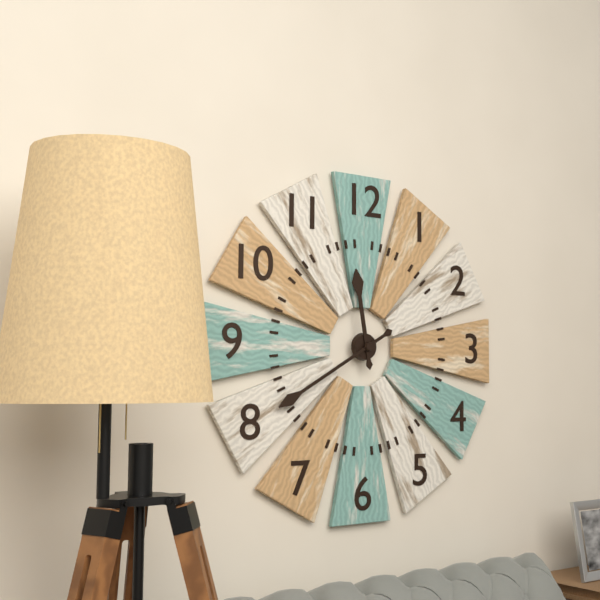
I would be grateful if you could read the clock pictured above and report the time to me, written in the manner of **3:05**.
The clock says **11:40**
